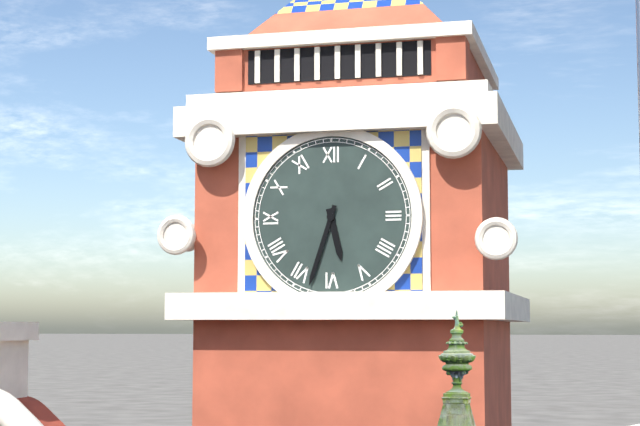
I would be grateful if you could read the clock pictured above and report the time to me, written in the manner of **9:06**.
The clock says **5:33**
